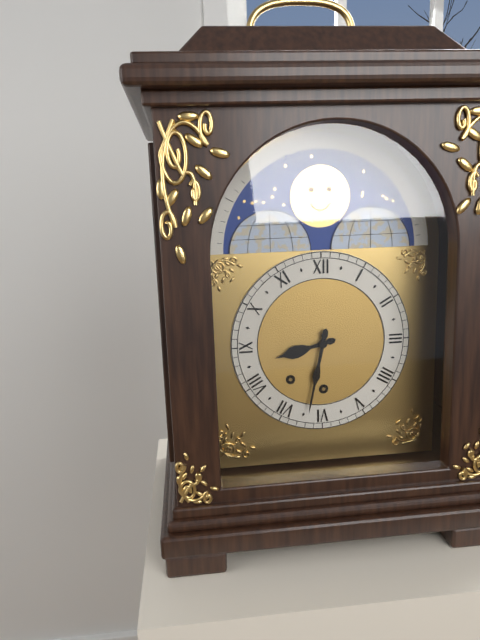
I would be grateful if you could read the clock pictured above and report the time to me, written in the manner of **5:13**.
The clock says **8:32**
